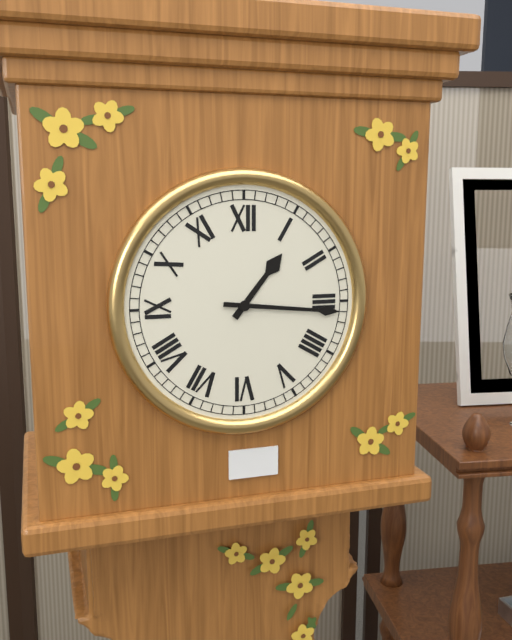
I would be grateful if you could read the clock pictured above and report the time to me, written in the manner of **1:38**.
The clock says **1:16**
